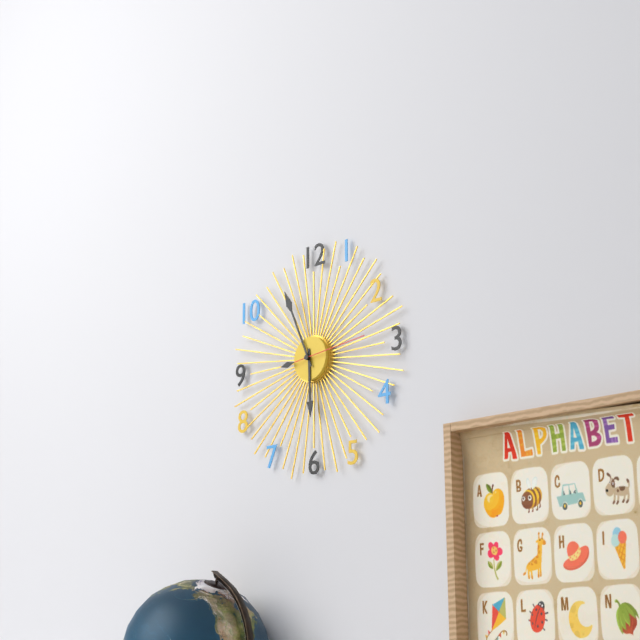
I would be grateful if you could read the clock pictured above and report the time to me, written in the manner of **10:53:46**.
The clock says **5:56:14**
